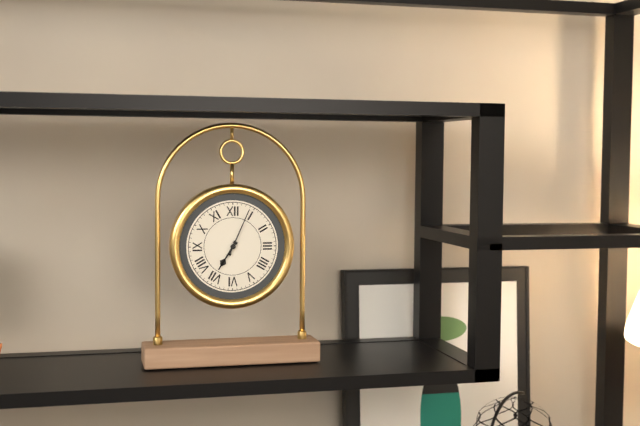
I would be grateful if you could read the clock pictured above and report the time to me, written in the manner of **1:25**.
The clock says **7:04**
